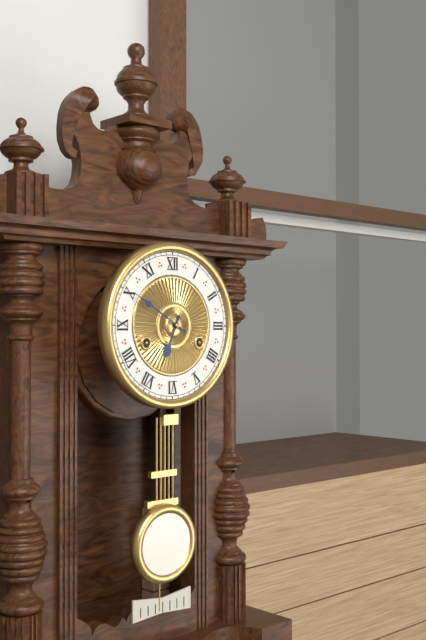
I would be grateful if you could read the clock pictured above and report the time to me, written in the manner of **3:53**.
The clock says **6:50**
